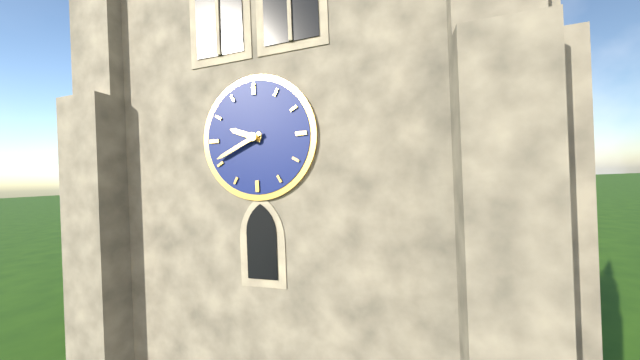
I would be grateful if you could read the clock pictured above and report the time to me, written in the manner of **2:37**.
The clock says **9:41**
